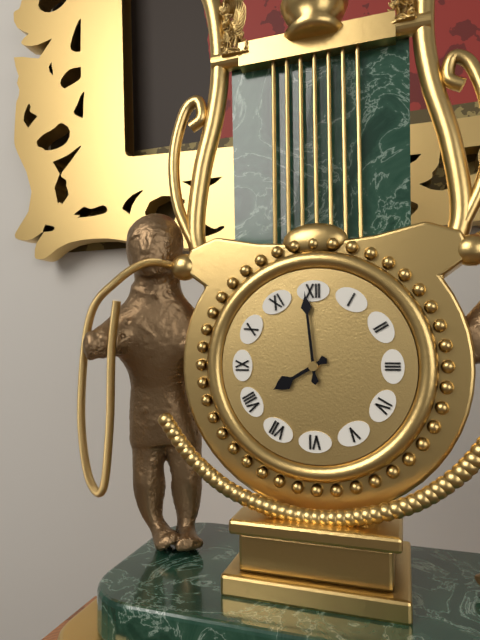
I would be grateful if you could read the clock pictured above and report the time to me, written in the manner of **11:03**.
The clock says **7:59**
